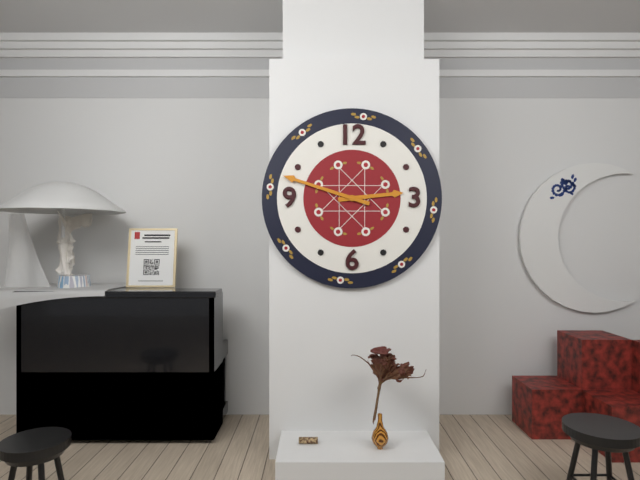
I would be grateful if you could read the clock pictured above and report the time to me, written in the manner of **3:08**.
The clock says **2:48**
